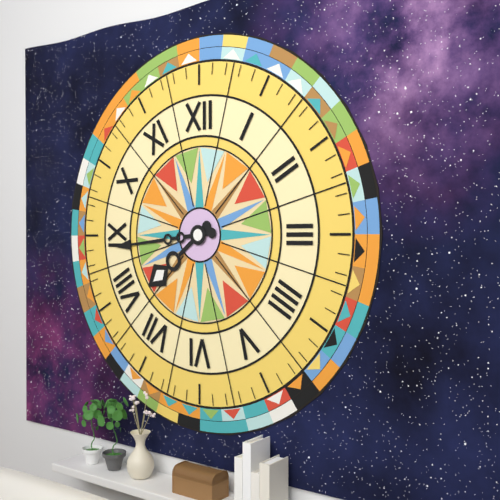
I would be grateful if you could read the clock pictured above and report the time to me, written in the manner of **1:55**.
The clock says **7:44**
